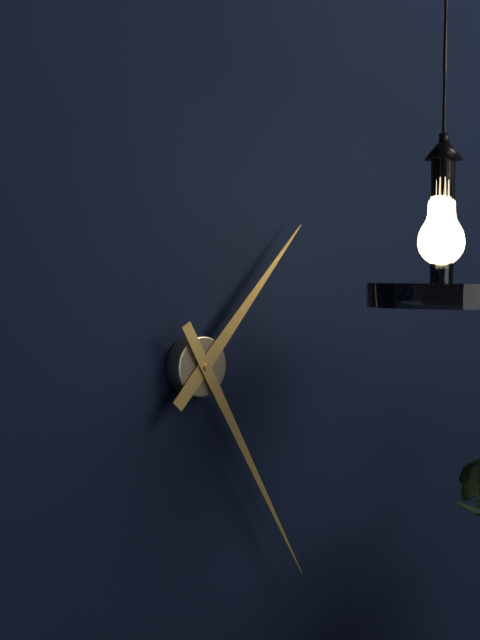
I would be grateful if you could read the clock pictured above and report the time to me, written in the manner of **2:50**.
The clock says **1:25**
